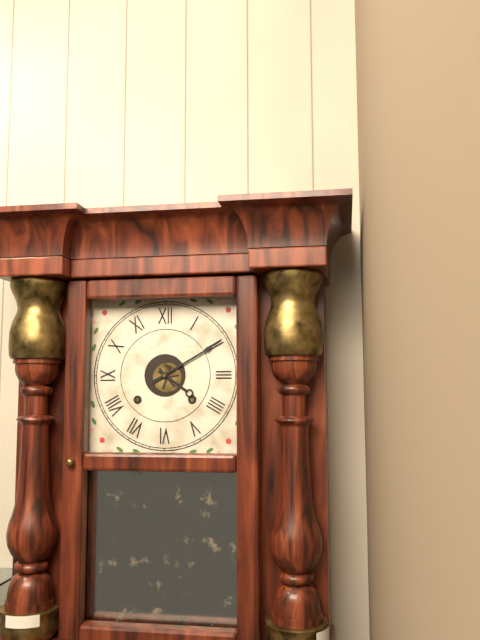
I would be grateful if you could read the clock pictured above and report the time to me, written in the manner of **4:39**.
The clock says **4:10**
